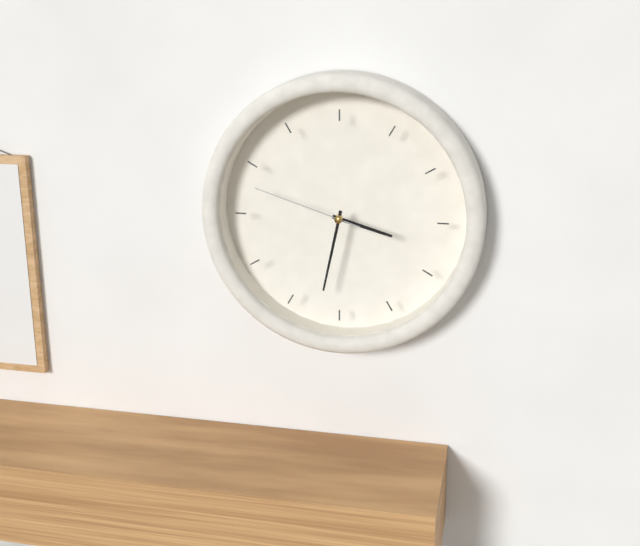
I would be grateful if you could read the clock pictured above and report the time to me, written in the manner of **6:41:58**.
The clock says **3:32:48**
